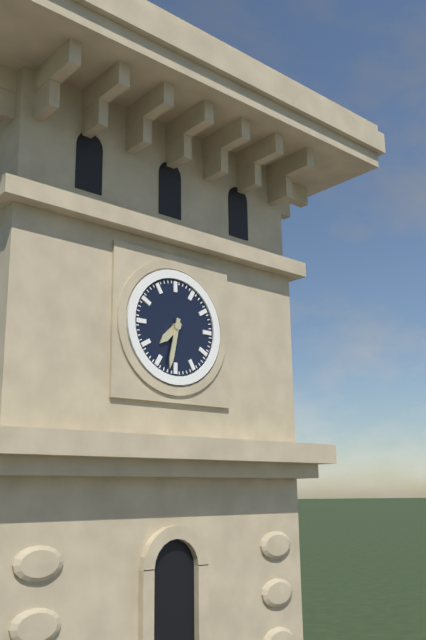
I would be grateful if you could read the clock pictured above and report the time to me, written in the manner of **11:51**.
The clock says **7:32**
